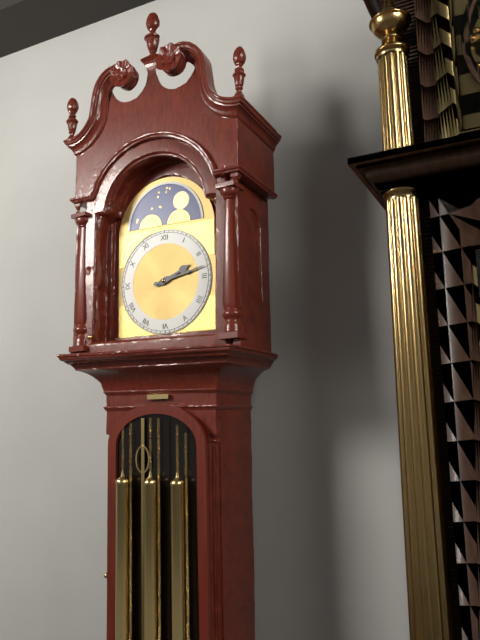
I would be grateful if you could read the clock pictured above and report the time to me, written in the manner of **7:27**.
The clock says **2:13**
